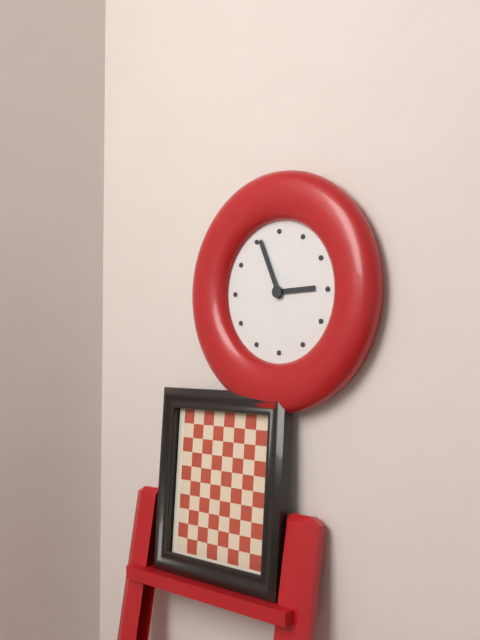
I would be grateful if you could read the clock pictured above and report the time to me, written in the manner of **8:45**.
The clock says **2:56**
